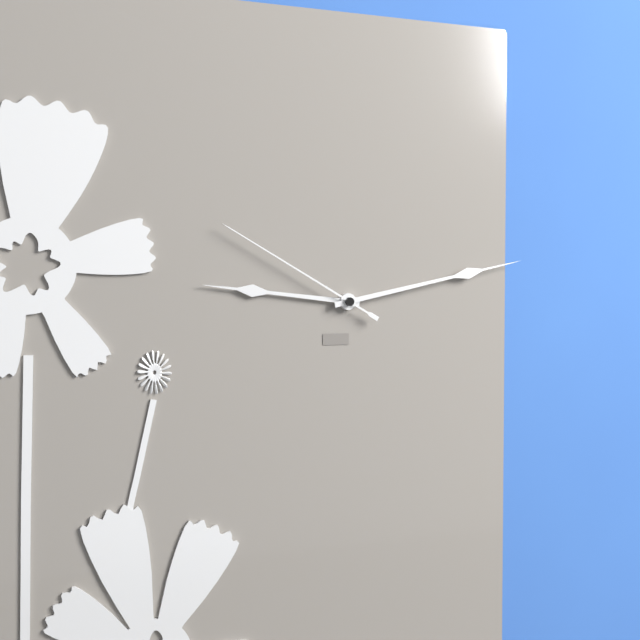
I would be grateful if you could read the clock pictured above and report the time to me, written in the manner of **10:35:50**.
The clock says **9:13:50**
